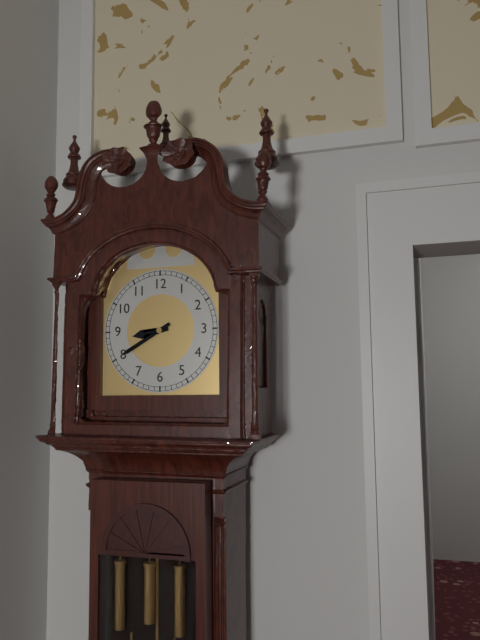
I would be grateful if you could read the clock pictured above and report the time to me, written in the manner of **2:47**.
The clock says **8:40**
